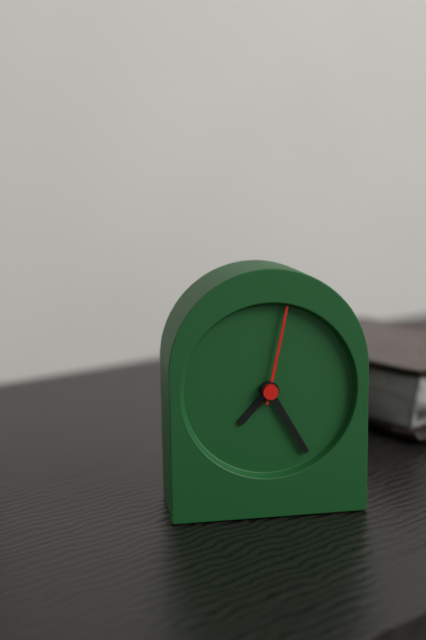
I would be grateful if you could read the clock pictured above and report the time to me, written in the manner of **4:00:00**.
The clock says **7:25:02**
